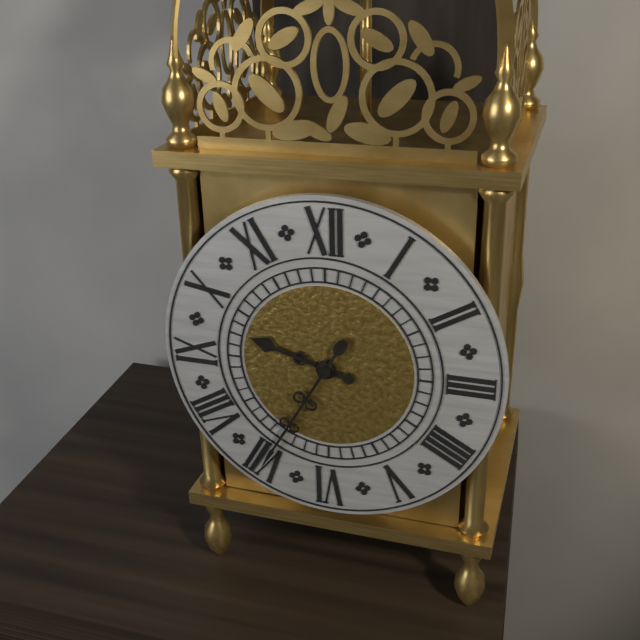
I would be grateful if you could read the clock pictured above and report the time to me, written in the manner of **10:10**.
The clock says **9:35**
